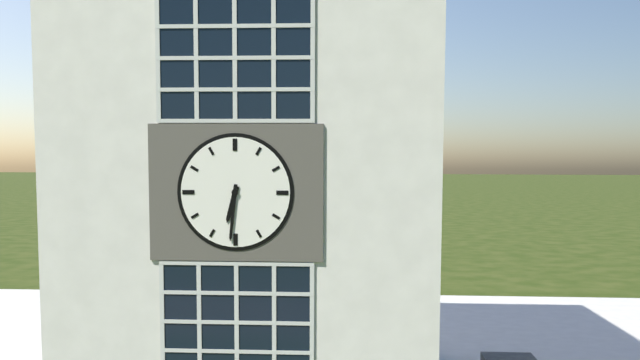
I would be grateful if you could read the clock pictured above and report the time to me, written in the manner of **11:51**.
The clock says **6:31**
